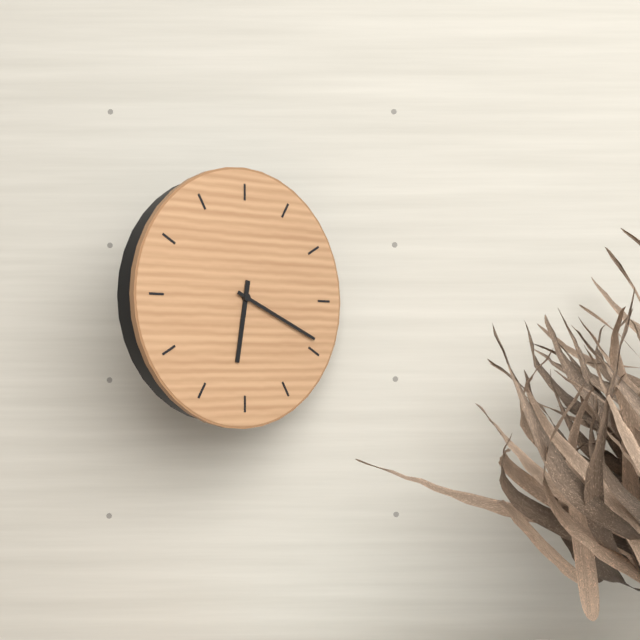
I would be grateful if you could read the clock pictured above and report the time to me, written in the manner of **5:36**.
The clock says **6:19**
